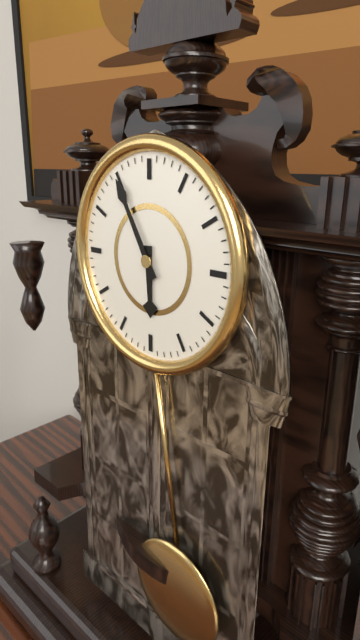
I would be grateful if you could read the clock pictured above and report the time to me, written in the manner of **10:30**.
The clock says **5:55**
